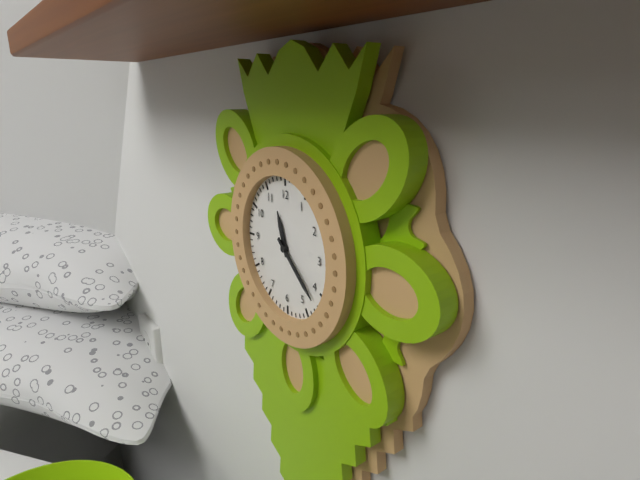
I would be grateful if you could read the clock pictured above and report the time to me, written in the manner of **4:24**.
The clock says **11:22**
